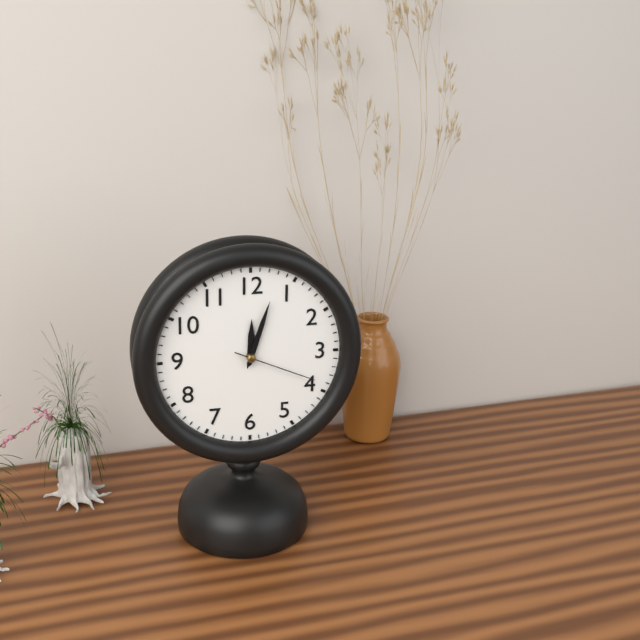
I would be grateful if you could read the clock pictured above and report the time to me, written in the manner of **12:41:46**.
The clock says **12:03:19**
